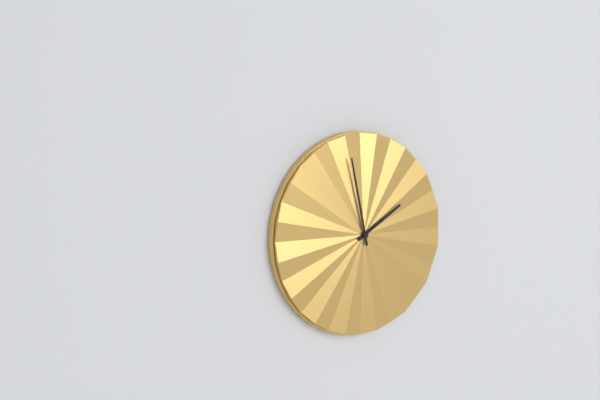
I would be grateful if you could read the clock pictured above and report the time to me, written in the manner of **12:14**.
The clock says **1:58**
